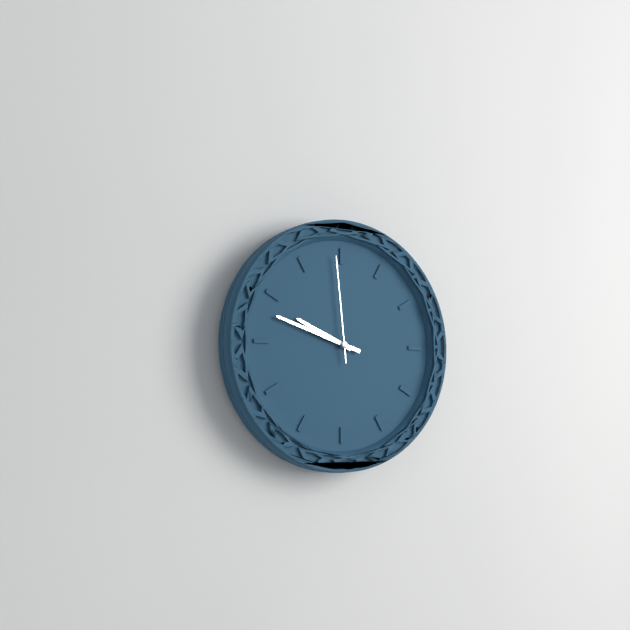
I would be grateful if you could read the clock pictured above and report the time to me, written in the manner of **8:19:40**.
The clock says **9:48:59**
